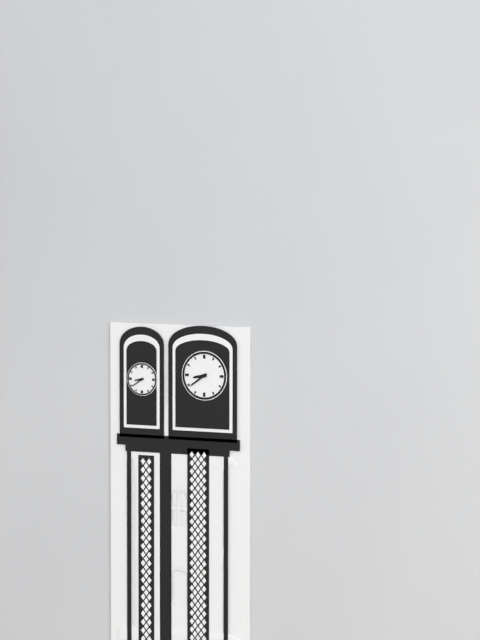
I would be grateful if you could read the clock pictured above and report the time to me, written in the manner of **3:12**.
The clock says **8:39**
